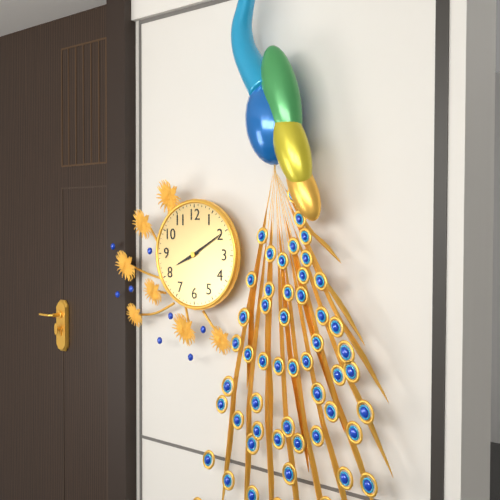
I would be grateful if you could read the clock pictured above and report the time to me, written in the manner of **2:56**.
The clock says **8:10**
